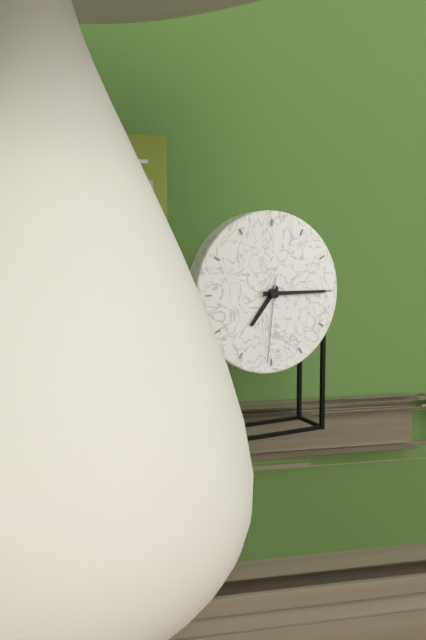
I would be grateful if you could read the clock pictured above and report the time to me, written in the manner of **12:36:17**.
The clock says **7:15:31**
